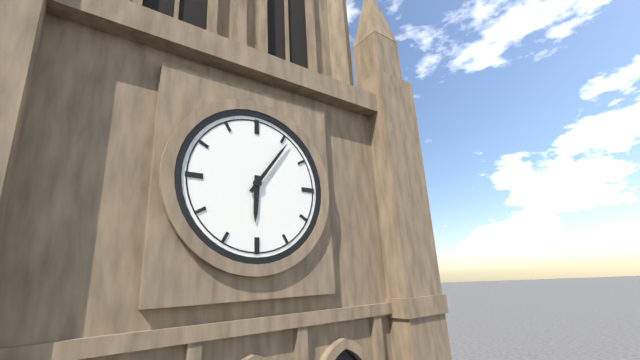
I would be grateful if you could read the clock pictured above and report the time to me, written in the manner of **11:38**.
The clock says **6:06**
